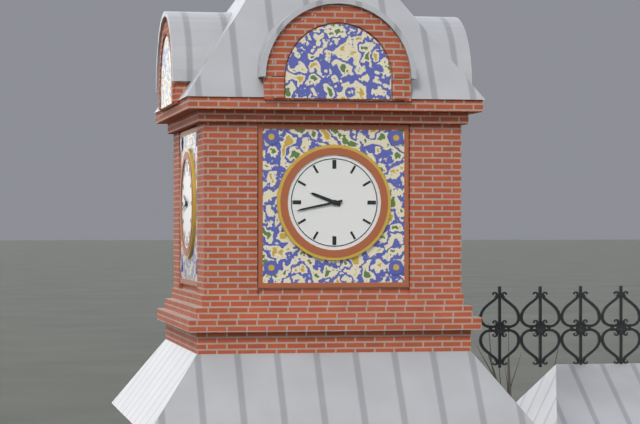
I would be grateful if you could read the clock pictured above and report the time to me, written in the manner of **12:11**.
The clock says **9:43**
